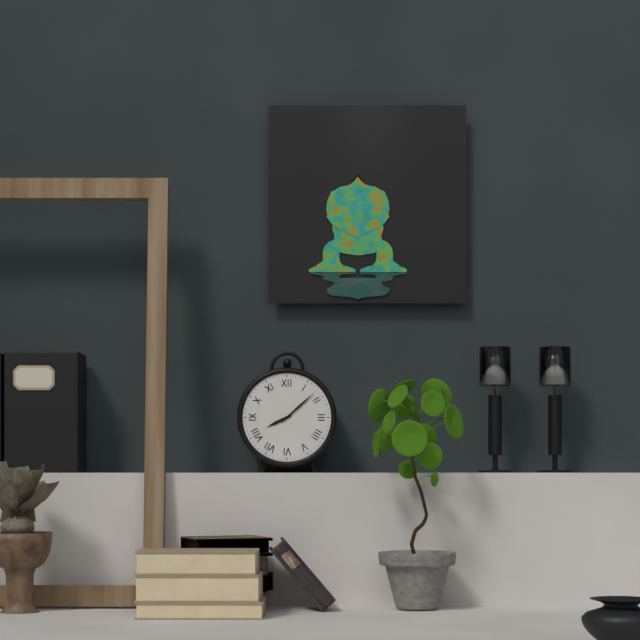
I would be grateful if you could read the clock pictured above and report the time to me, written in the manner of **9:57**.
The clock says **8:08**
